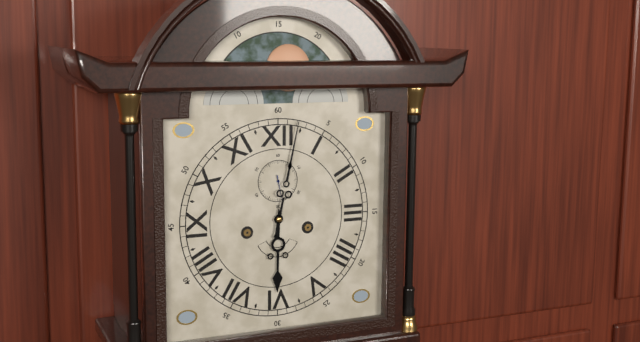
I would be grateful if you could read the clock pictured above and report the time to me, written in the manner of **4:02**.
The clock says **6:02**
